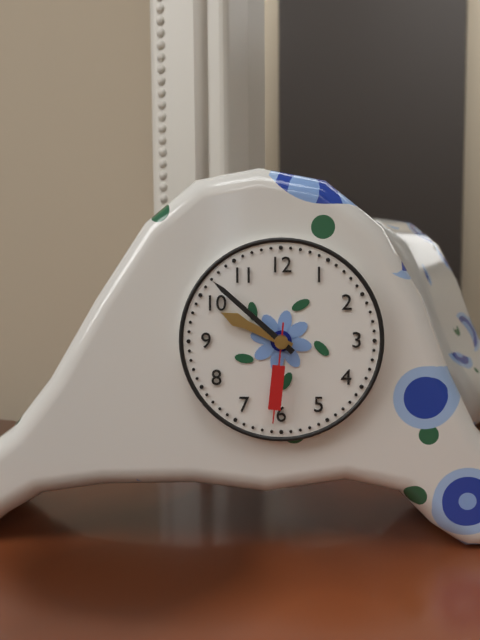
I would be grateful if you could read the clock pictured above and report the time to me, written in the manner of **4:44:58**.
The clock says **9:52:31**
